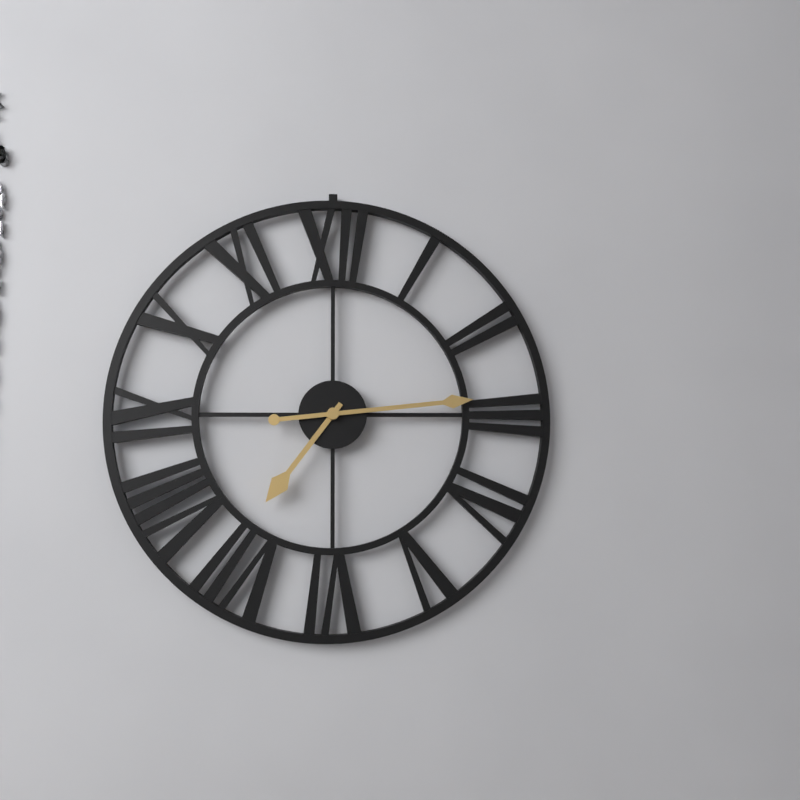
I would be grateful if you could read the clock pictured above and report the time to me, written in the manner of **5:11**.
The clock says **7:14**
